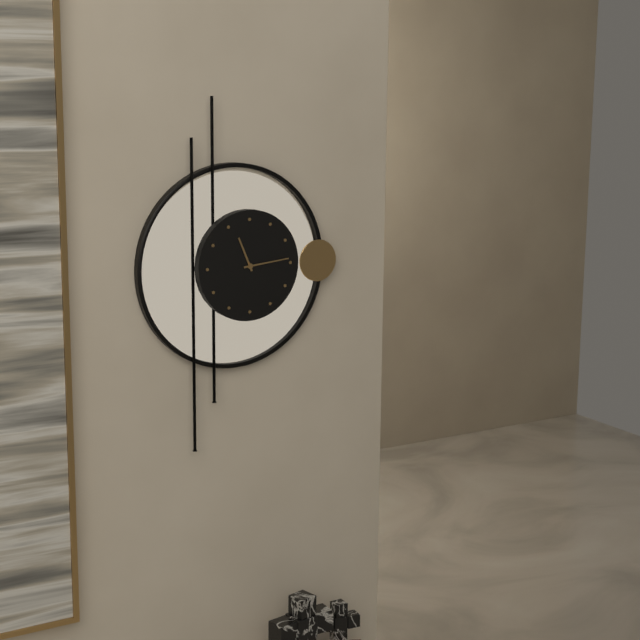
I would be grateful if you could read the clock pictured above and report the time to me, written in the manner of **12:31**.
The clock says **11:14**
